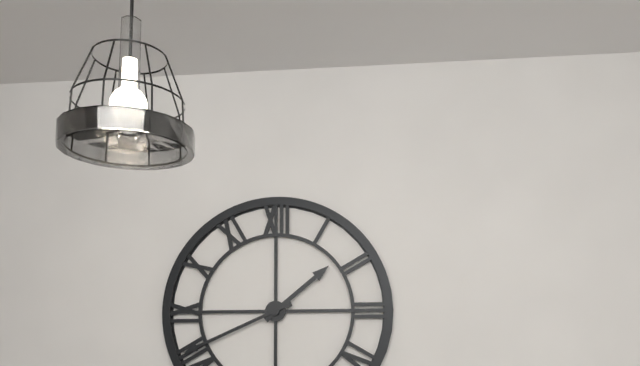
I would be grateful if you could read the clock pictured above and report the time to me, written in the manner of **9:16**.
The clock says **1:41**
